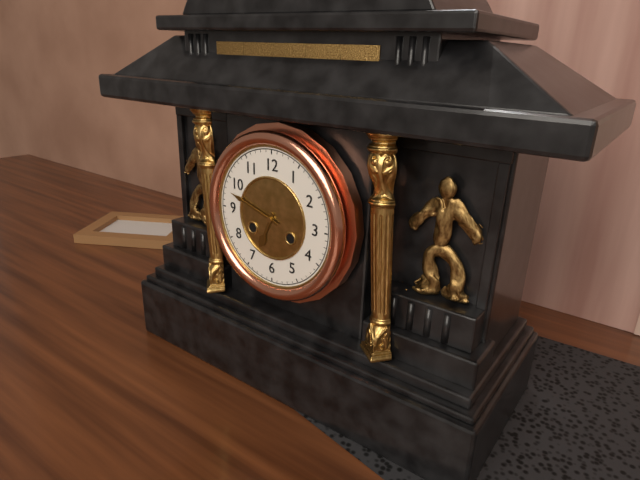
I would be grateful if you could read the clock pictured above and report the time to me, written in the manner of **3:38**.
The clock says **6:48**
